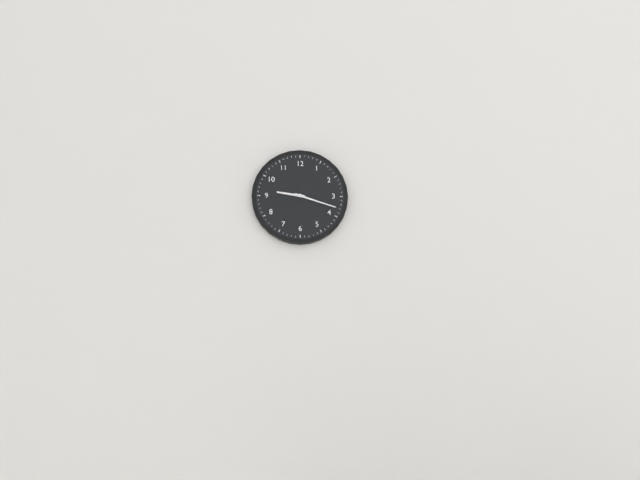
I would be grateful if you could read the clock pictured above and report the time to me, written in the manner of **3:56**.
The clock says **9:18**
